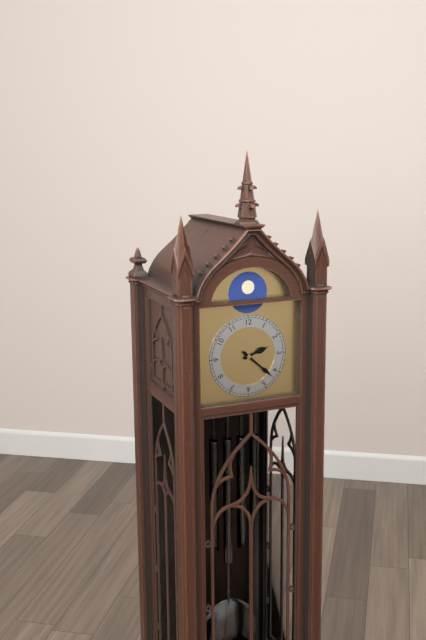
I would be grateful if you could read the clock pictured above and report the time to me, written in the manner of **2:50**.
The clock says **2:22**
